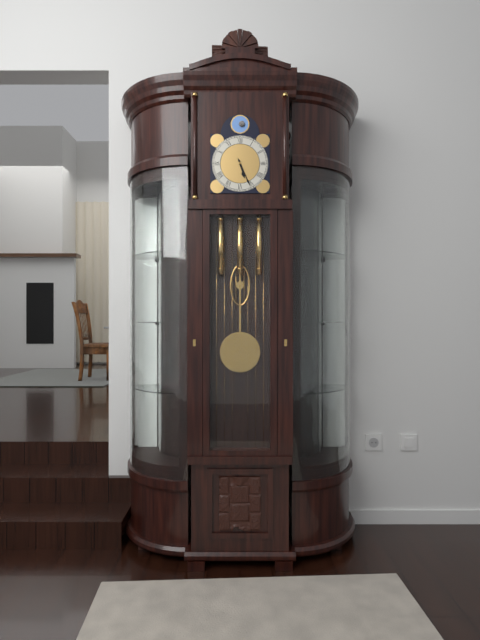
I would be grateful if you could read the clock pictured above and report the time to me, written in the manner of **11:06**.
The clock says **5:26**
